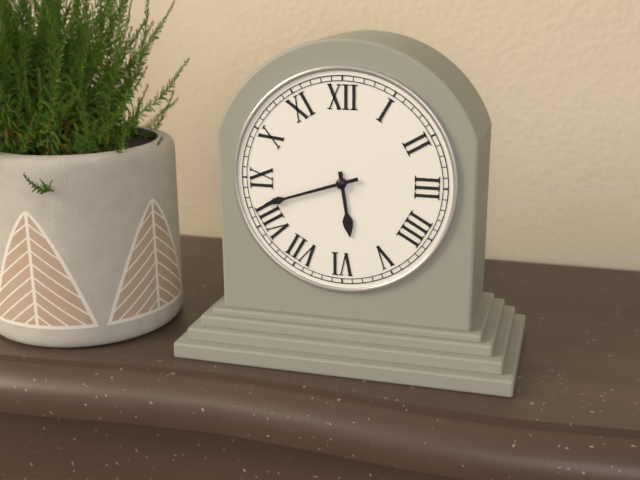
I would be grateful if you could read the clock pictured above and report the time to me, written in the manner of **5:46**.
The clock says **5:42**
